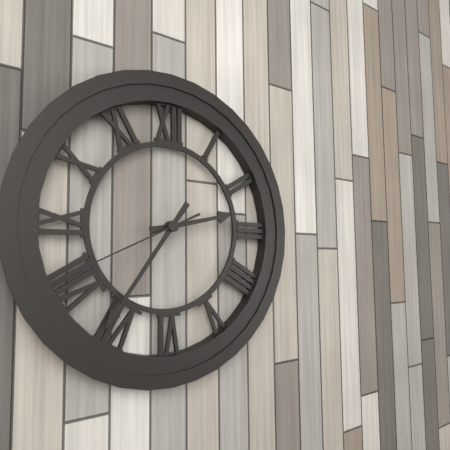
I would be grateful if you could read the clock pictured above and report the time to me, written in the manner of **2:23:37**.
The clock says **2:36:41**
